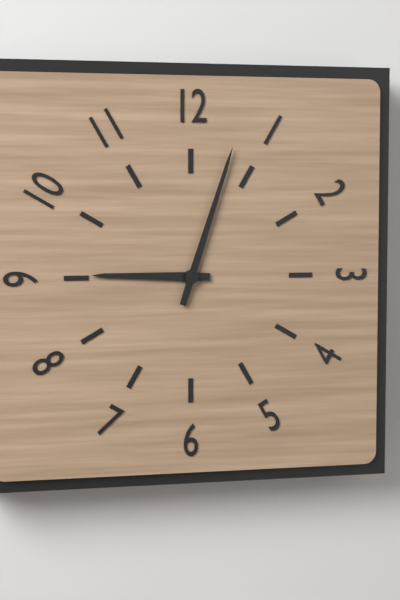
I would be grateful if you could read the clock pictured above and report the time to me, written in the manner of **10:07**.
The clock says **9:03**
